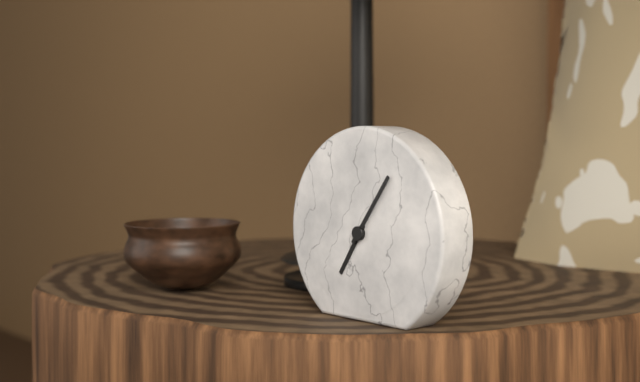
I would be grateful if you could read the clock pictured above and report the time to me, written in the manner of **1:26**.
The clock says **7:06**
